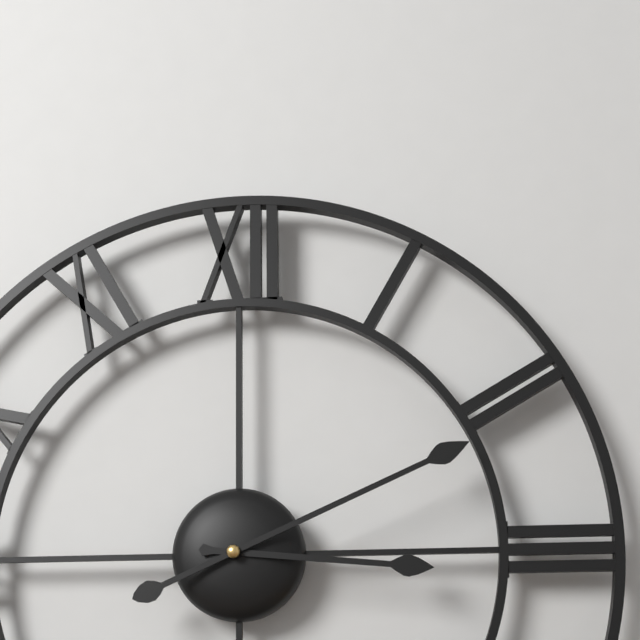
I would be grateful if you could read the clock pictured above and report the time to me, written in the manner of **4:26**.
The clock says **3:11**
